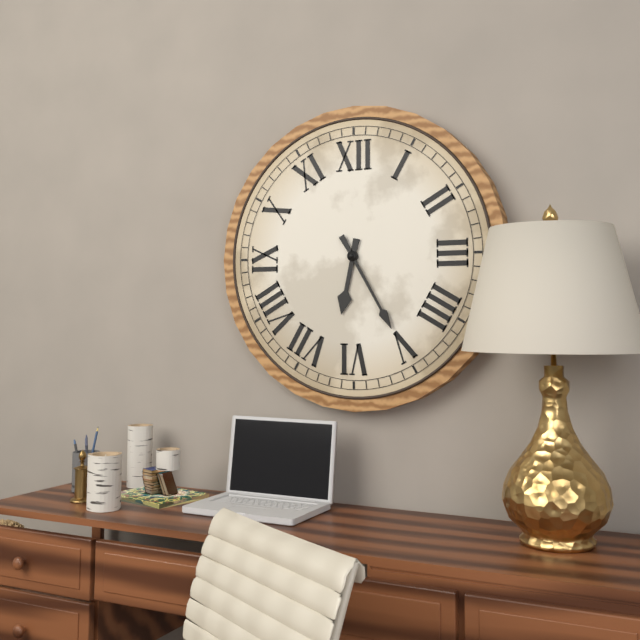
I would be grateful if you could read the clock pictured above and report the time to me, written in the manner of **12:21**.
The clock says **6:25**
